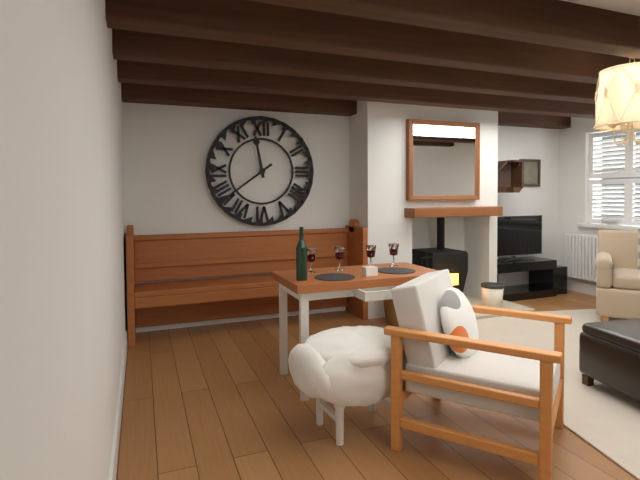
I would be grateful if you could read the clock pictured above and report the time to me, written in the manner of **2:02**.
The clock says **11:39**
